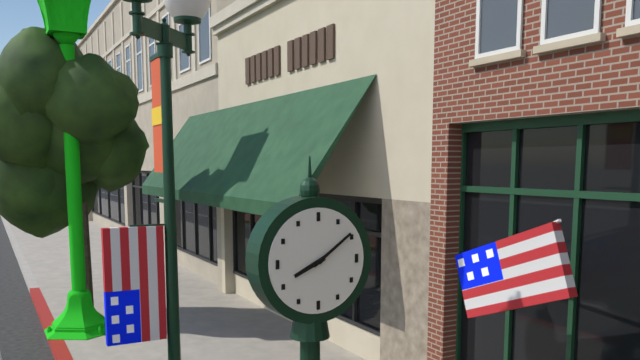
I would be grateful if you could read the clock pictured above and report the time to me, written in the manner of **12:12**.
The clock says **8:09**
